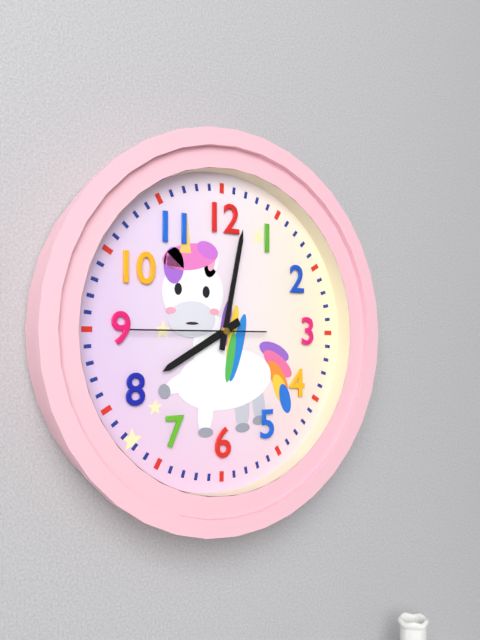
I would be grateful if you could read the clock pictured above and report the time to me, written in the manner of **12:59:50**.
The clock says **8:02:45**
